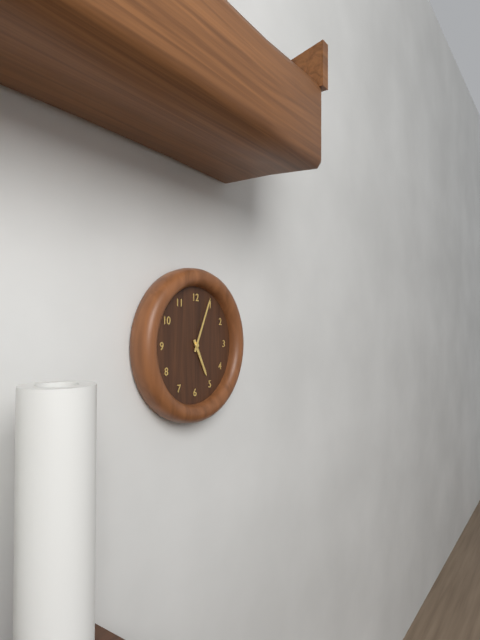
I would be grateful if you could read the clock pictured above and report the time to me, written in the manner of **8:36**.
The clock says **5:04**
